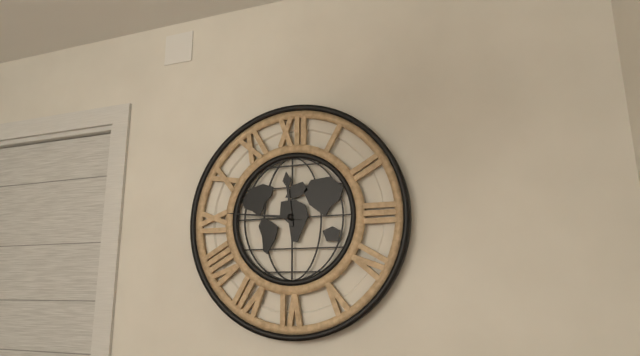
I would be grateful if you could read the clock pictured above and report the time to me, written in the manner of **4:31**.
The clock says **11:46**
